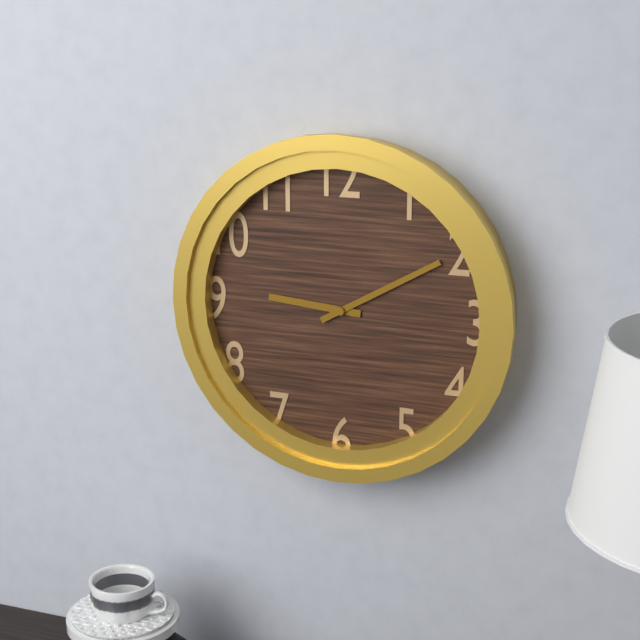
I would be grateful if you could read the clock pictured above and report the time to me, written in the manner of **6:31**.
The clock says **9:10**
